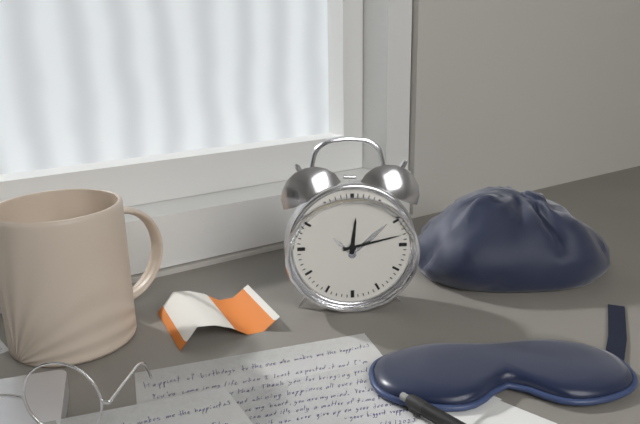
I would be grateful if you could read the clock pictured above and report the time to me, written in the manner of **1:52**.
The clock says **12:13**
